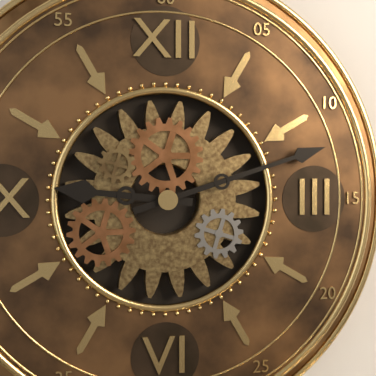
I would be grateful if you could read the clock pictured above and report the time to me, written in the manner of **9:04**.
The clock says **9:12**
